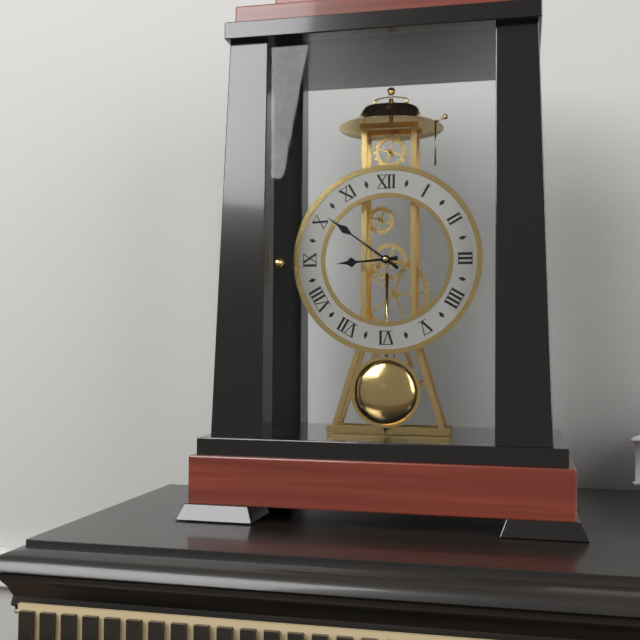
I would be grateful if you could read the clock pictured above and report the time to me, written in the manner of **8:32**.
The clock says **8:51**
